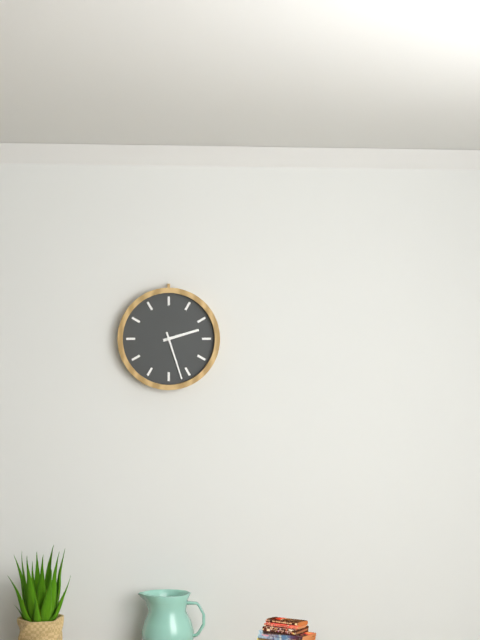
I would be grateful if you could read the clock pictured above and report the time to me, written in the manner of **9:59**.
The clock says **2:27**
